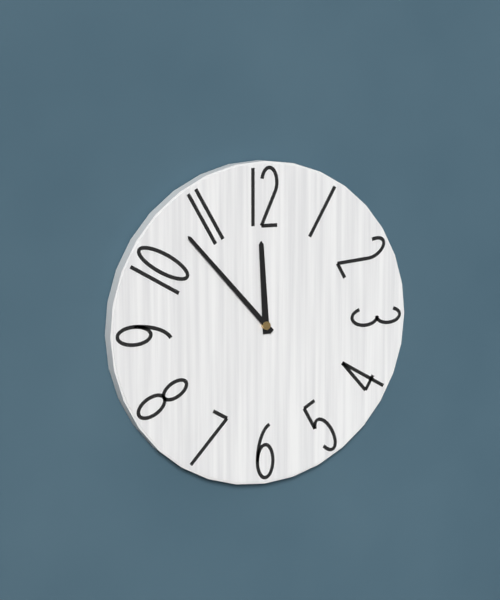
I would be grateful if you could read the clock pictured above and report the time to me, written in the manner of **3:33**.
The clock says **11:53**
